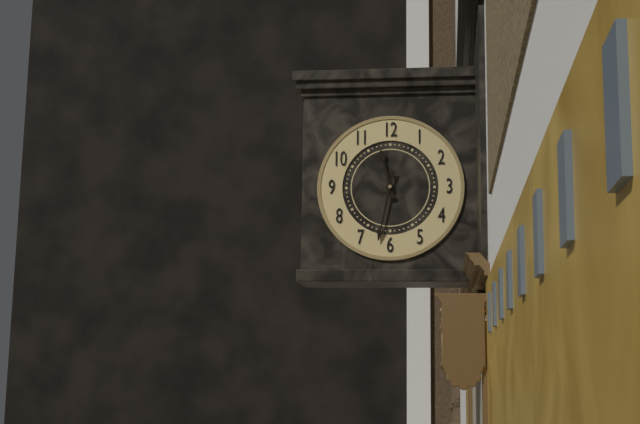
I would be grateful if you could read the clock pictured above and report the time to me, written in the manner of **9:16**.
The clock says **11:32**
